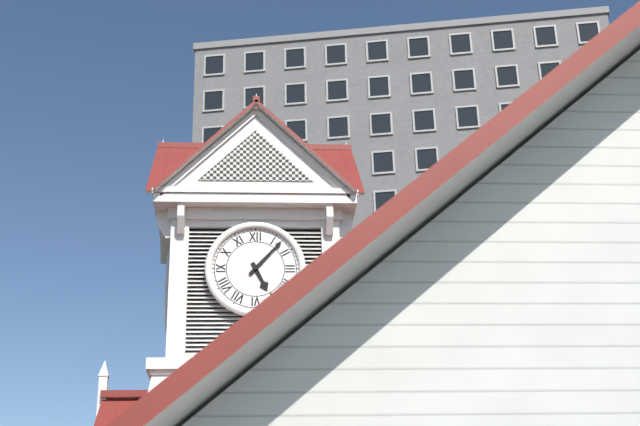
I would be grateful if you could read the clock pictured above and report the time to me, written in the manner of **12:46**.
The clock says **5:07**
